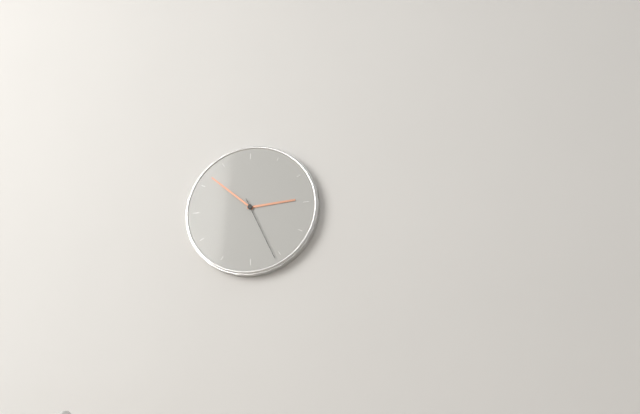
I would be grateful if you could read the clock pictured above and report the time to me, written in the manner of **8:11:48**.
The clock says **2:52:26**
